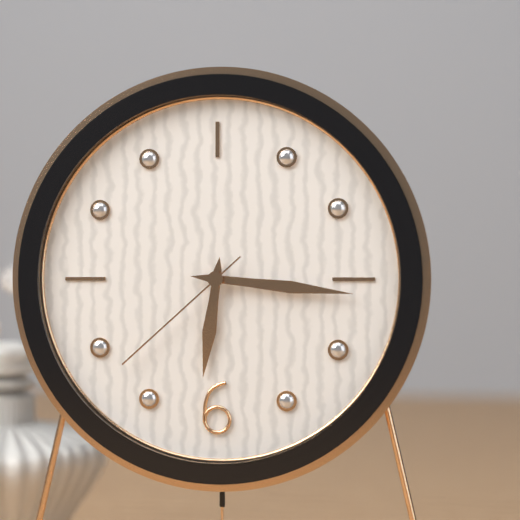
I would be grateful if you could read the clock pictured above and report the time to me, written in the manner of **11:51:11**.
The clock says **6:16:38**
